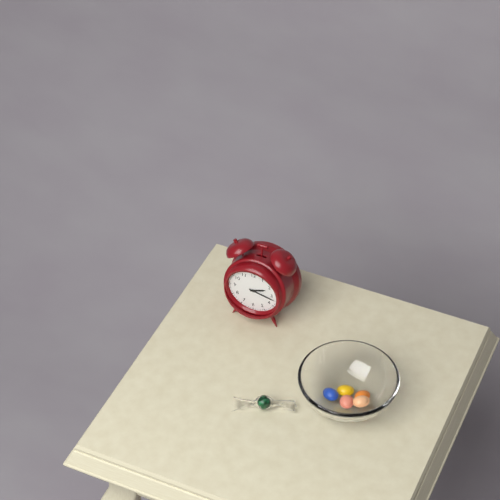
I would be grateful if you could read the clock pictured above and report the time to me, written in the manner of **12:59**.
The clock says **2:17**
